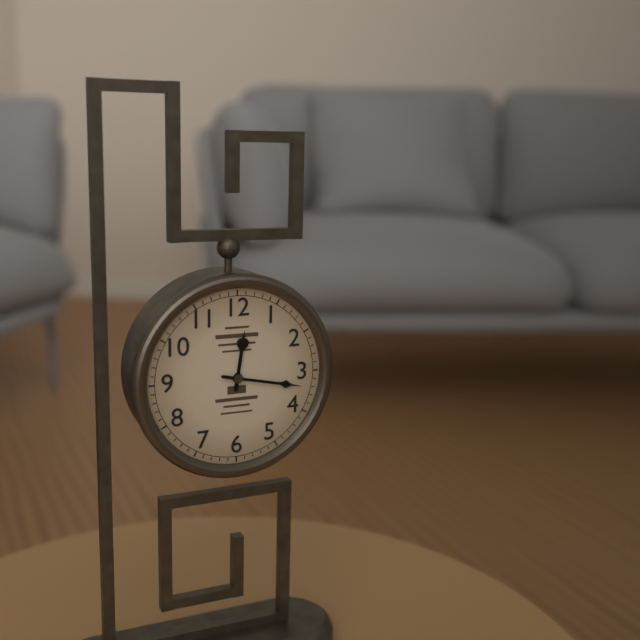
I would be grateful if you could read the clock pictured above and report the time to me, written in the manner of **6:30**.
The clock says **12:17**
